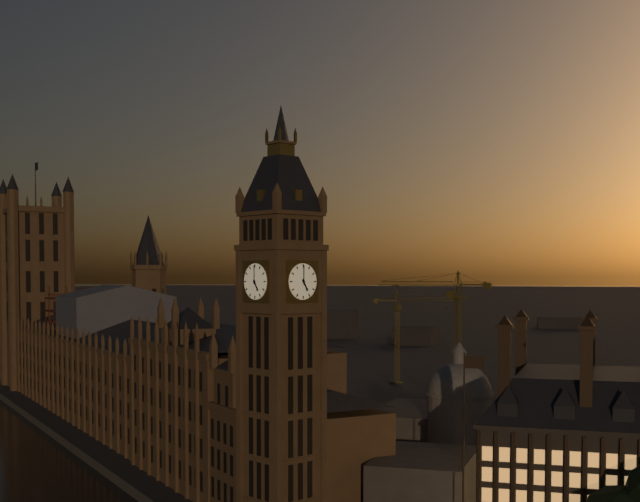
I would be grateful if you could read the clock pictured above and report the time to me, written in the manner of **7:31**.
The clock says **5:00**
